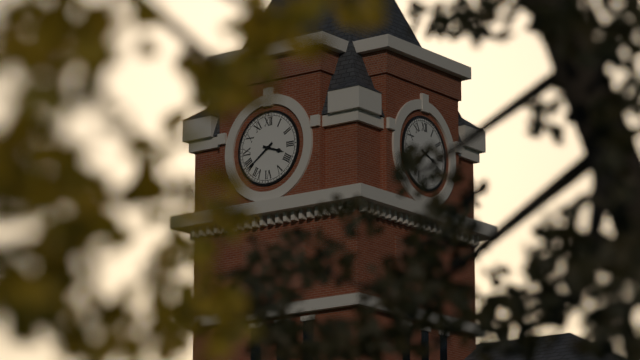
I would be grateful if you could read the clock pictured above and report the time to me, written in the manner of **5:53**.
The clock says **3:39**
